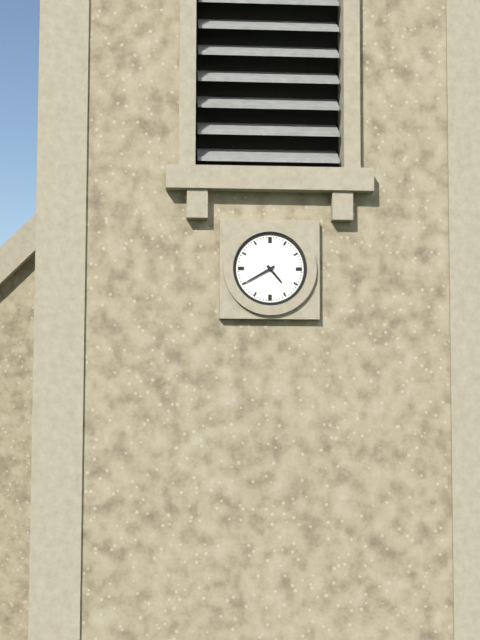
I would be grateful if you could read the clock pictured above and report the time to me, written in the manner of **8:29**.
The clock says **4:40**
